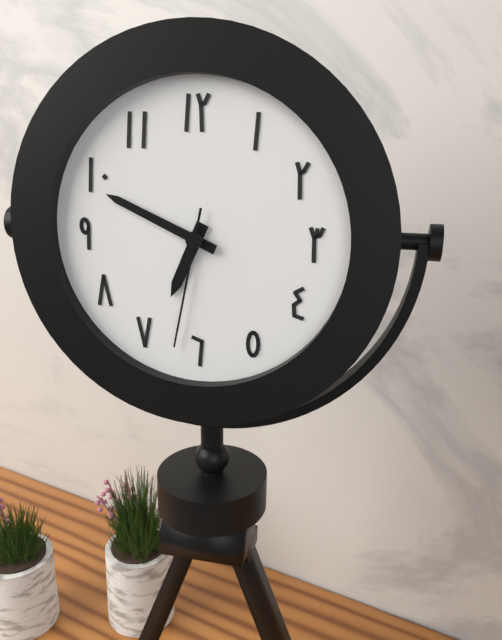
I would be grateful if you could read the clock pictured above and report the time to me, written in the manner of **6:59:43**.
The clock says **6:49:32**
